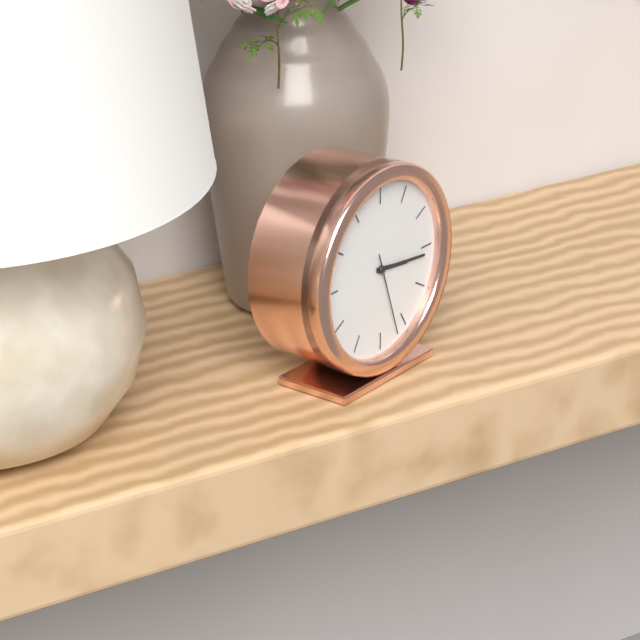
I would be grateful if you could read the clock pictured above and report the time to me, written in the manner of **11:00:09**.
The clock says **3:16:27**
